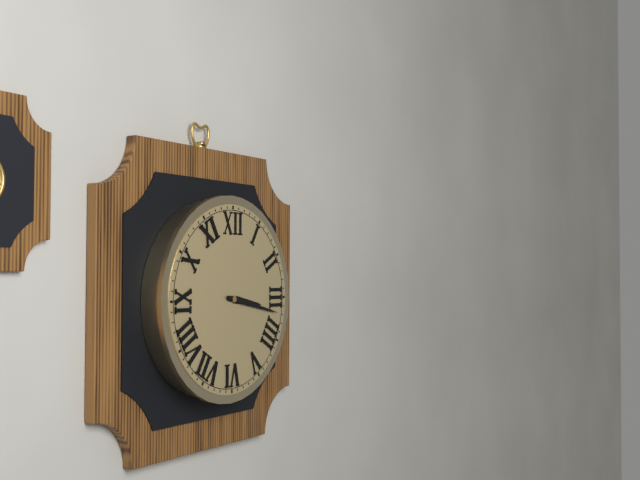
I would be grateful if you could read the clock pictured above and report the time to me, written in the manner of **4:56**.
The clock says **3:17**
